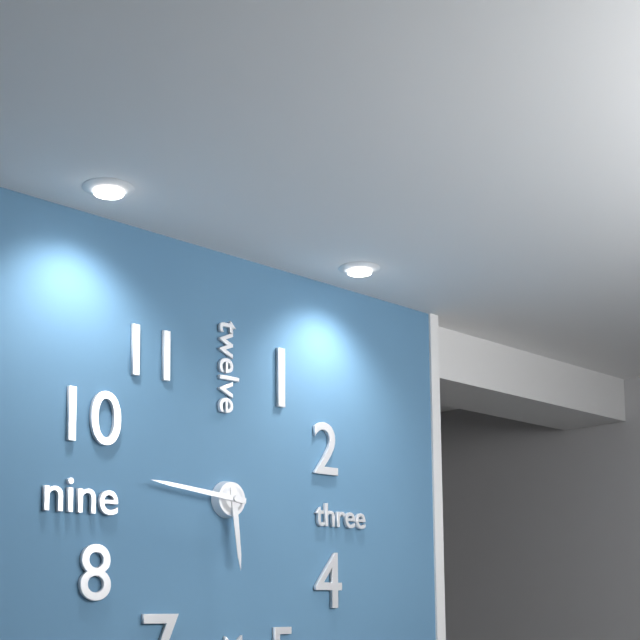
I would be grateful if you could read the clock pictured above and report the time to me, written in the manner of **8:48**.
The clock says **5:46**
